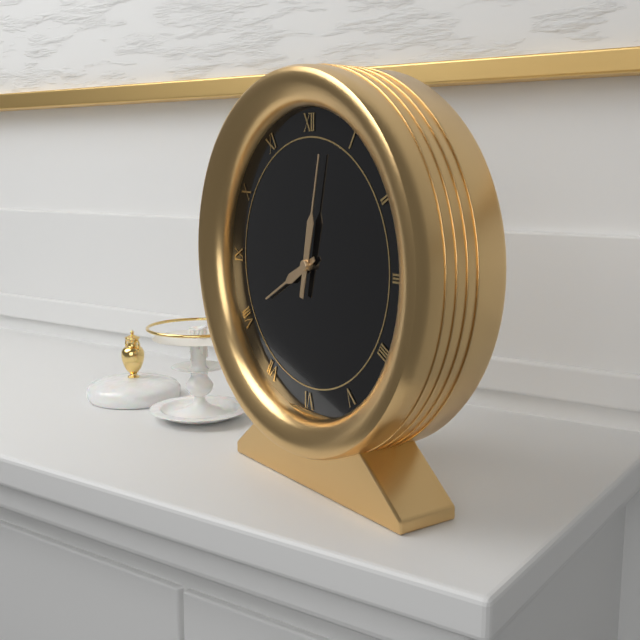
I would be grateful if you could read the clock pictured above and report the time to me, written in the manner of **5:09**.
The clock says **8:02**
